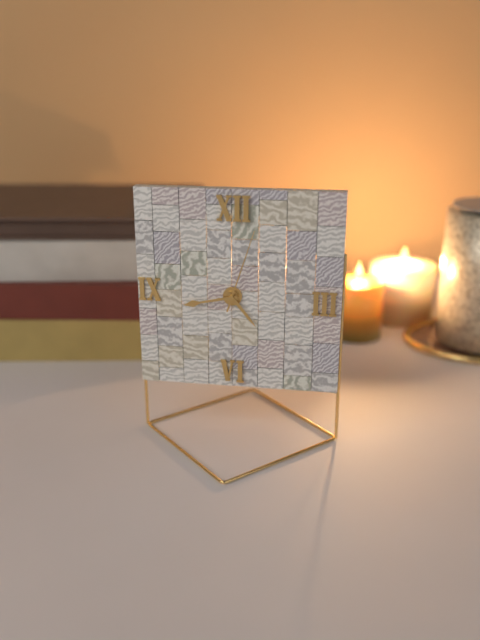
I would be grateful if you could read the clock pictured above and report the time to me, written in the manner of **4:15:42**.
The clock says **4:43:03**
